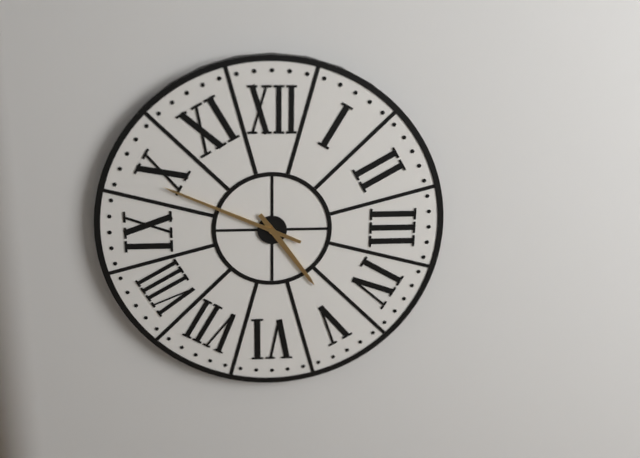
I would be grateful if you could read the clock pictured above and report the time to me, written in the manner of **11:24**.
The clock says **4:49**
